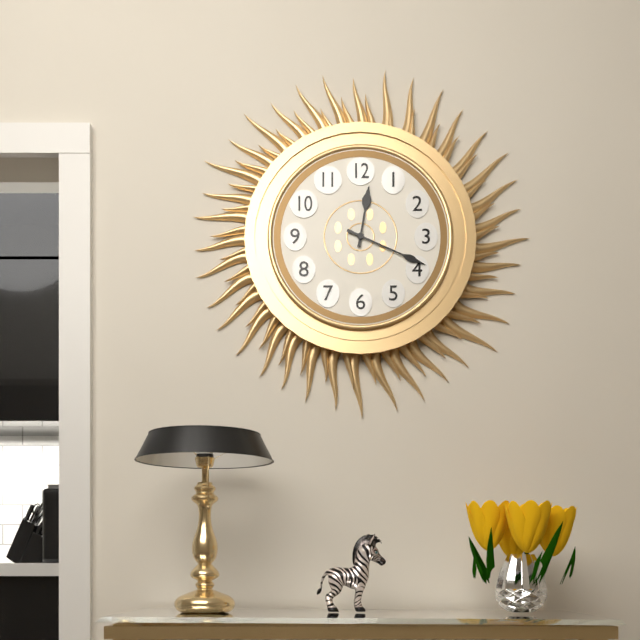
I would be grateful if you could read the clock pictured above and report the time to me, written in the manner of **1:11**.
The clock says **12:19**
